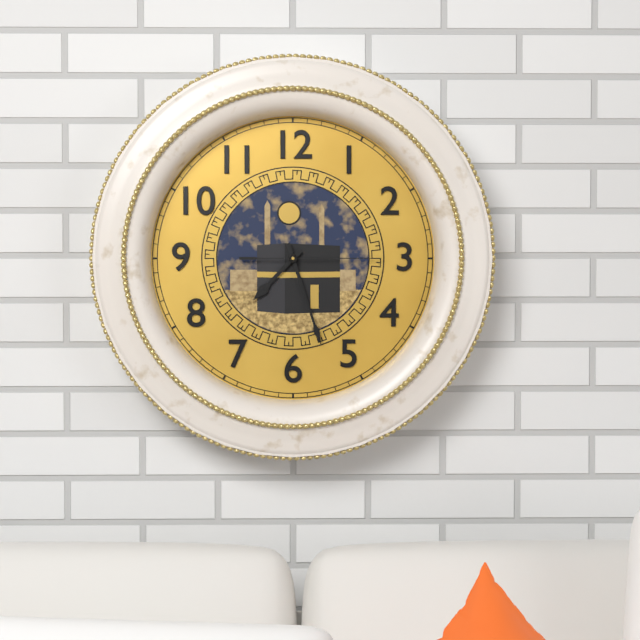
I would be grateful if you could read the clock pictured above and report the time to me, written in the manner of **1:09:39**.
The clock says **7:27:15**
